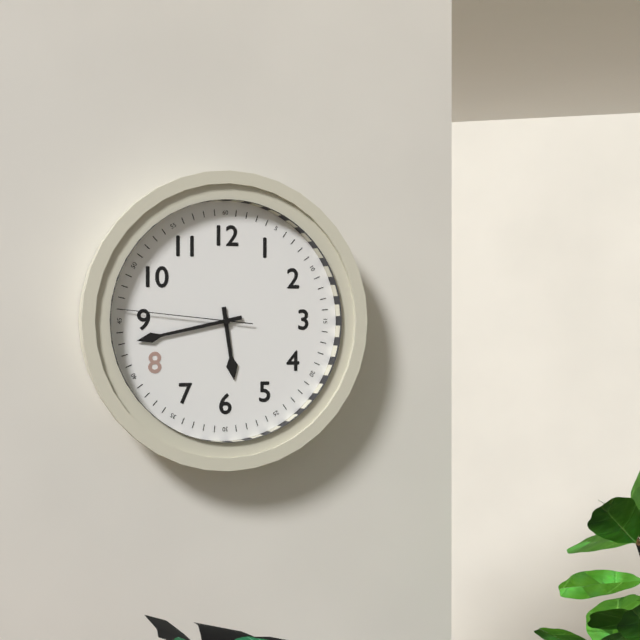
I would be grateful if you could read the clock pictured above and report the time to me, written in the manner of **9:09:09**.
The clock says **5:43:46**
